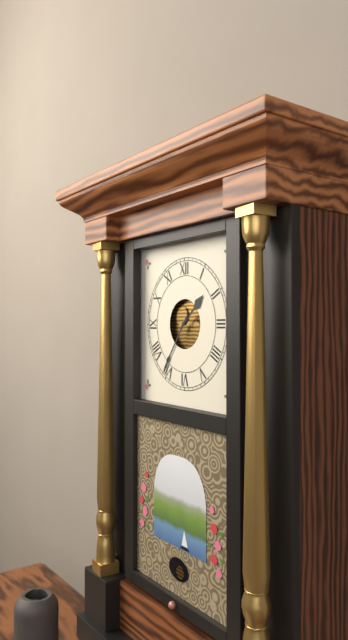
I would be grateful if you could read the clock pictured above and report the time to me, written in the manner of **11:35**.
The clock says **1:36**
